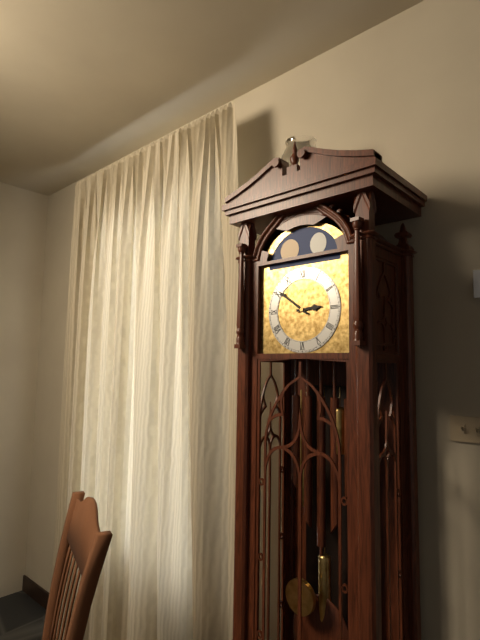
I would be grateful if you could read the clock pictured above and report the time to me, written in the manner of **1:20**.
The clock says **2:51**
